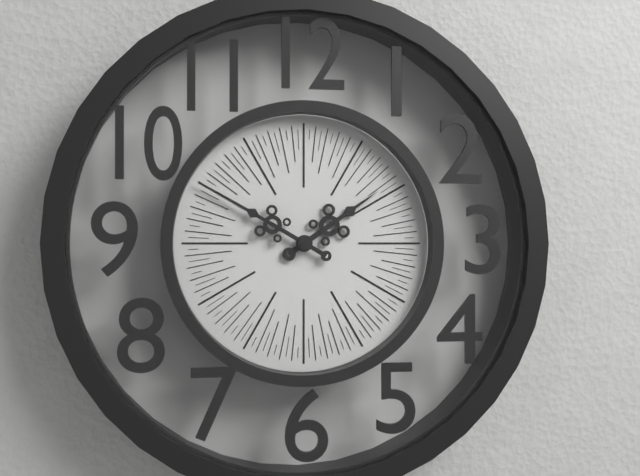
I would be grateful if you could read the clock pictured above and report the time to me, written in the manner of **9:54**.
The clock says **1:50**
